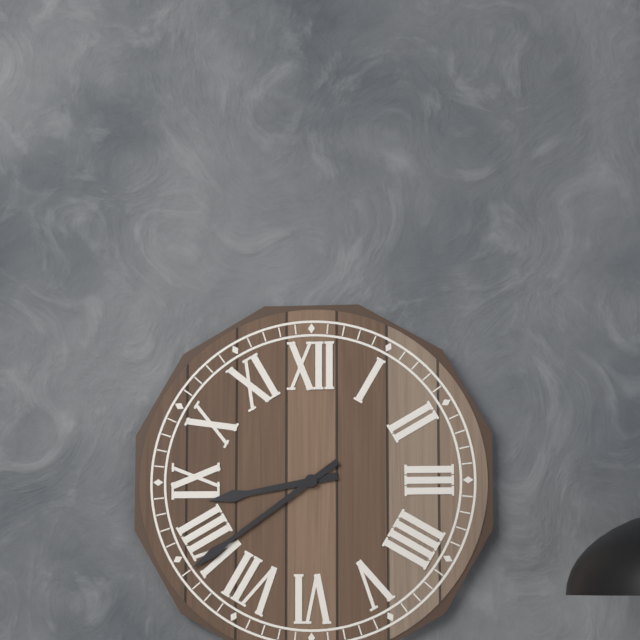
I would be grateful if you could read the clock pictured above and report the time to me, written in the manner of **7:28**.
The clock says **8:39**
